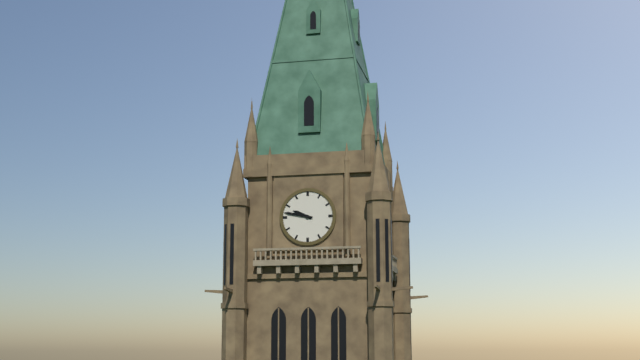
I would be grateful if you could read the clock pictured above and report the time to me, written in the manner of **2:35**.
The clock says **9:47**
